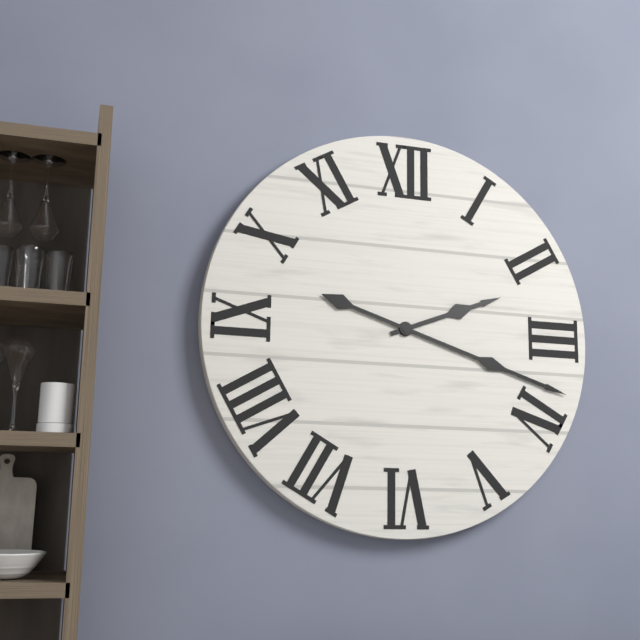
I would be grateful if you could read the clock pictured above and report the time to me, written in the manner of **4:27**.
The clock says **2:18**
